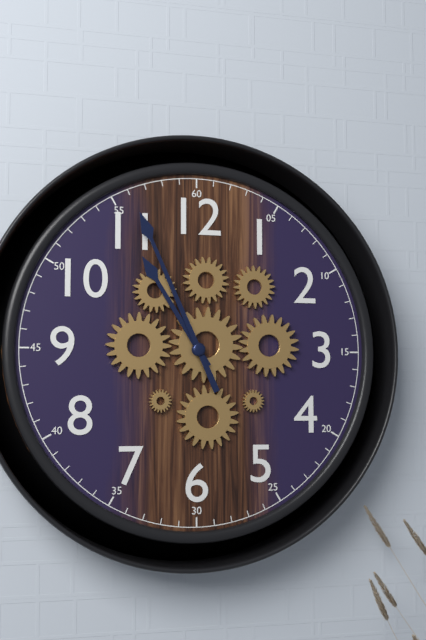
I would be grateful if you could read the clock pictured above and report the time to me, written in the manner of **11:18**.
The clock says **10:56**
